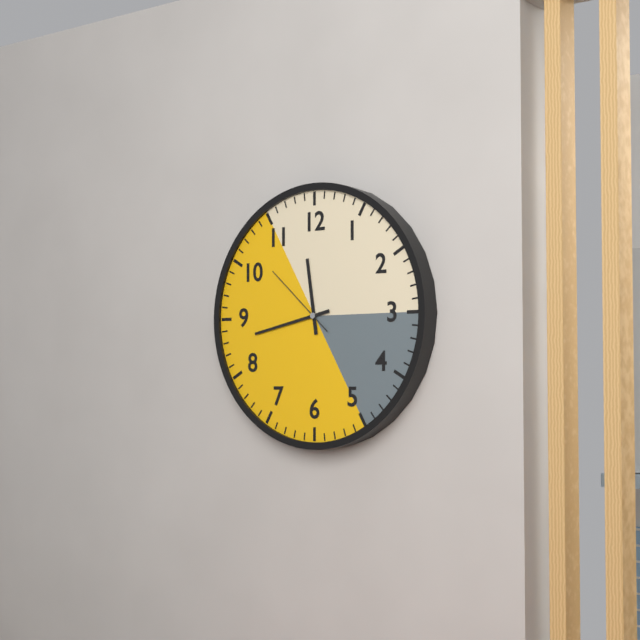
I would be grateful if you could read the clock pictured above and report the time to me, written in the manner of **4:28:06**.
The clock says **11:43:52**
